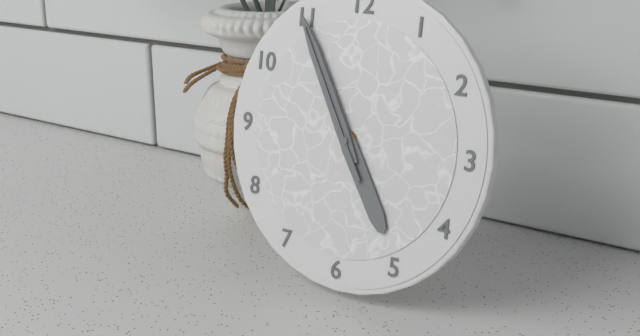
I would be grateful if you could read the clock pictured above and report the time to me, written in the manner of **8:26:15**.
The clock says **4:55:55**
